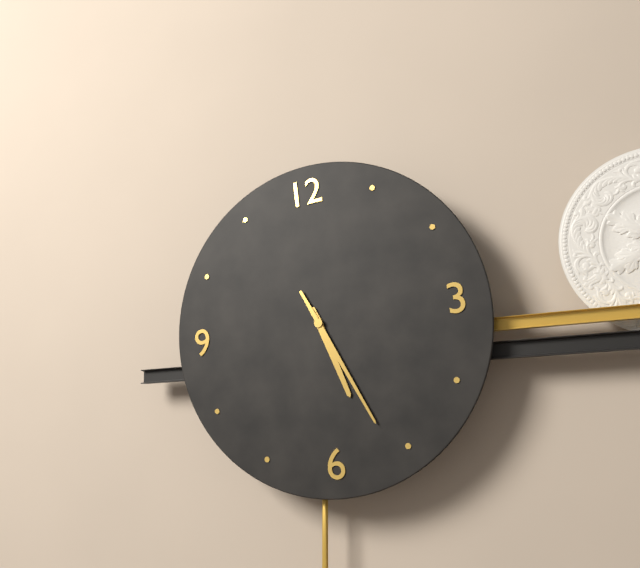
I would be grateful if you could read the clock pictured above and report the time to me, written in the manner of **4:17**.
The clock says **5:26**
